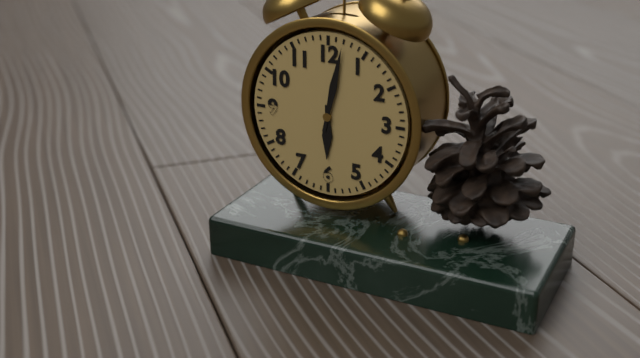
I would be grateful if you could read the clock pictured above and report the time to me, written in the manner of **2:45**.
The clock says **6:02**
